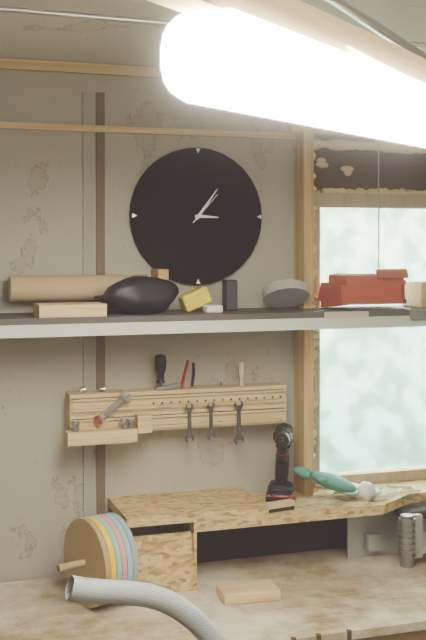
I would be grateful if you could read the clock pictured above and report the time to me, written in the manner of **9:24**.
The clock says **3:06**
